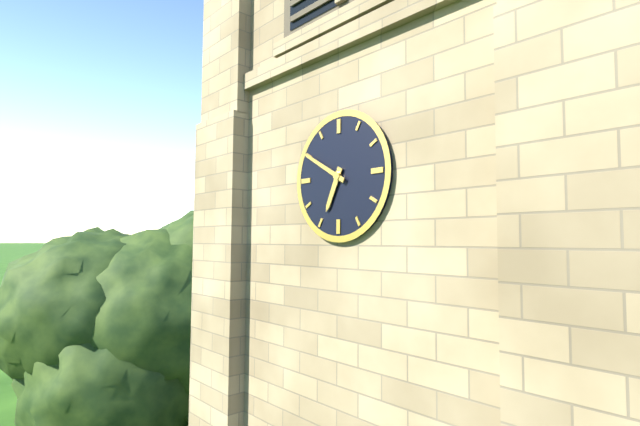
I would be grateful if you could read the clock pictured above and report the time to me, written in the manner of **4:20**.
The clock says **6:50**
